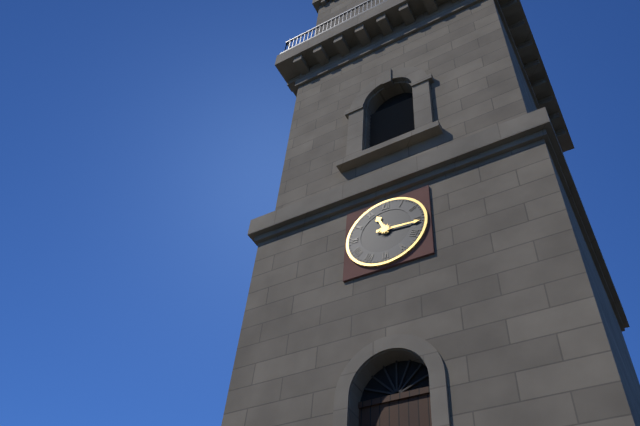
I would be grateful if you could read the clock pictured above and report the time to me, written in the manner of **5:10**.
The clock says **11:16**
